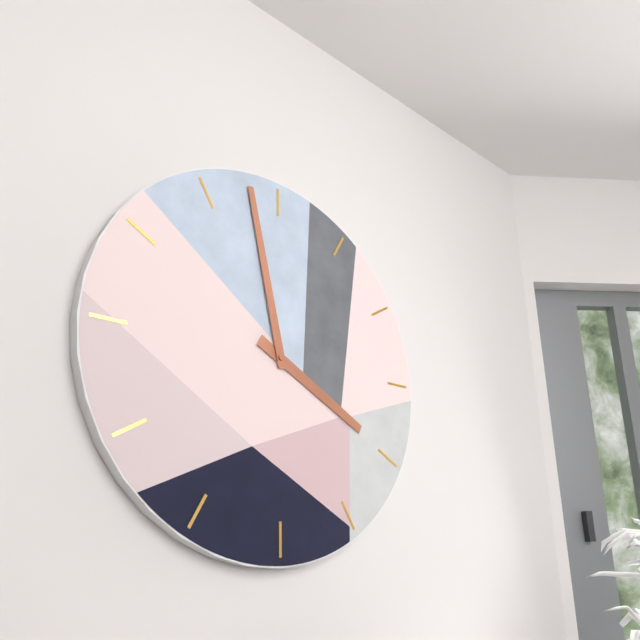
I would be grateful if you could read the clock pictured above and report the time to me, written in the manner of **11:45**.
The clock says **3:58**
